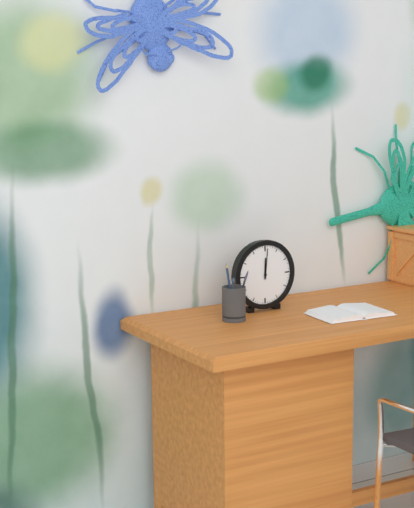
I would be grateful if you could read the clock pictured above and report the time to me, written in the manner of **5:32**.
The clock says **12:01**
